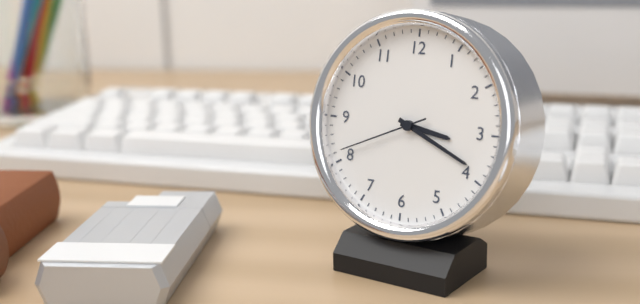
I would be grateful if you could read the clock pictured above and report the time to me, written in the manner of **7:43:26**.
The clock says **3:19:41**
